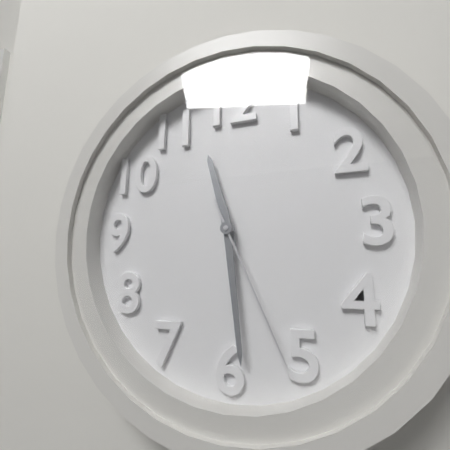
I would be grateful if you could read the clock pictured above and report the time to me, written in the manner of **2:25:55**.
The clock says **11:29:26**
